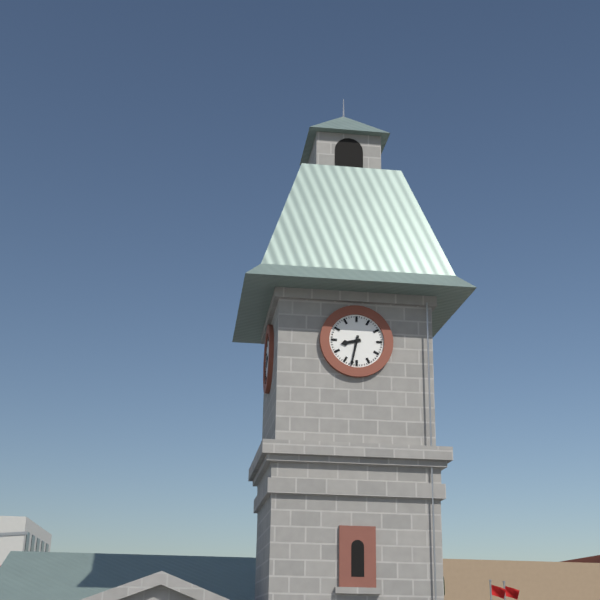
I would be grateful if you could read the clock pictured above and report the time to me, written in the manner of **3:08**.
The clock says **8:32**
